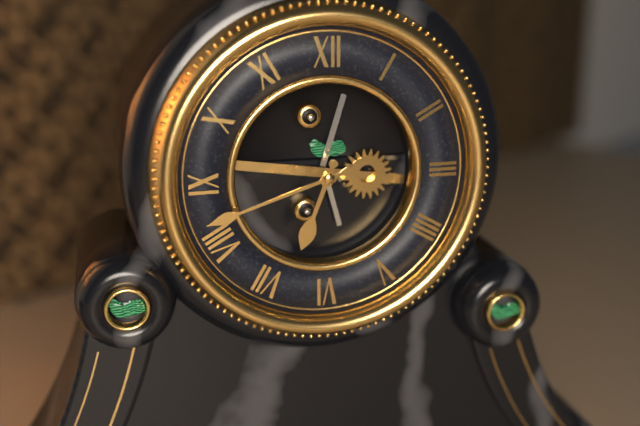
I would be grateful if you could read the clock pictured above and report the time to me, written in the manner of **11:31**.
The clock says **6:42**
